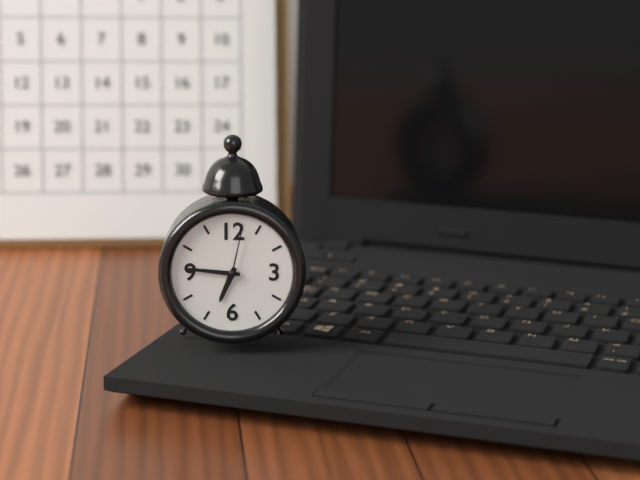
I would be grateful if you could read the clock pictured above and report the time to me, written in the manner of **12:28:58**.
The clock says **6:46:02**
